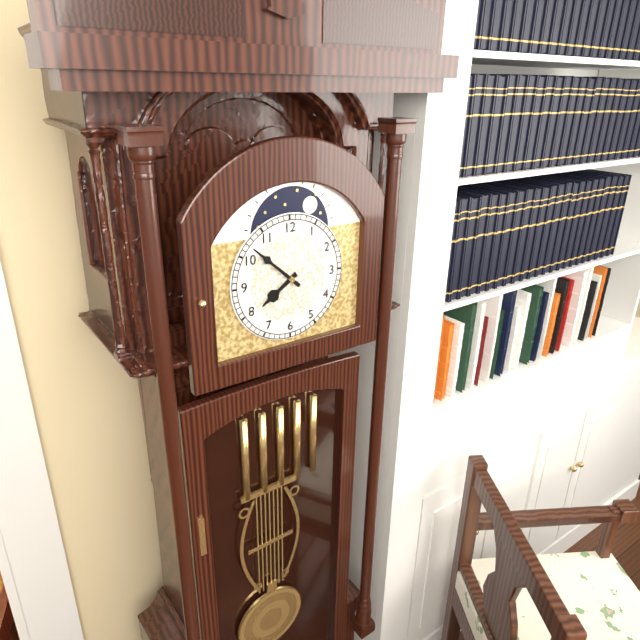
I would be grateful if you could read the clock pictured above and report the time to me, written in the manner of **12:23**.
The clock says **7:52**
